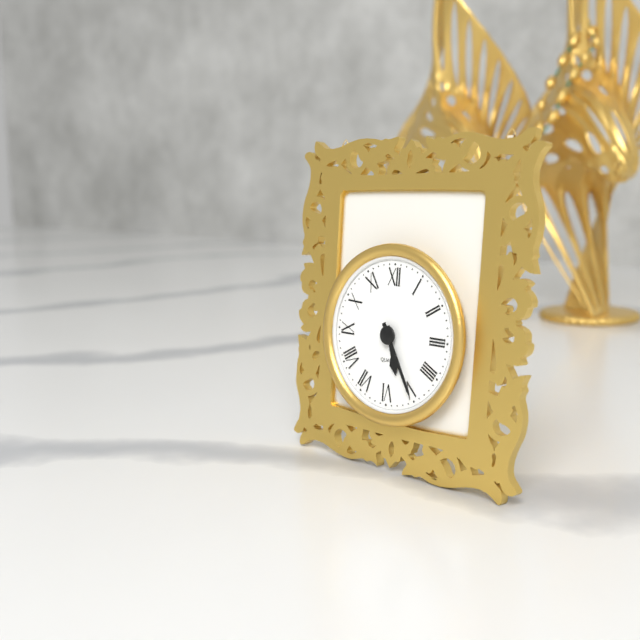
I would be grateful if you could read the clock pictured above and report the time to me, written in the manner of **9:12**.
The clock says **5:25**
